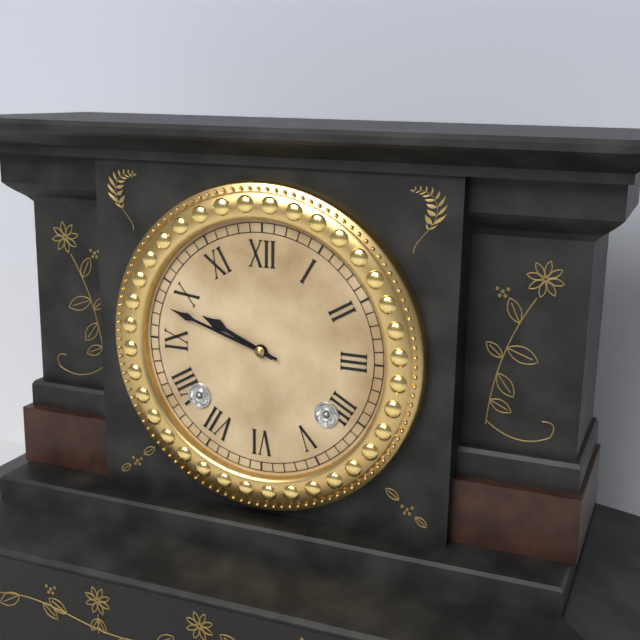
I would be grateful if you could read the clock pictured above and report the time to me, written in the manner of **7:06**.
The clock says **9:48**
